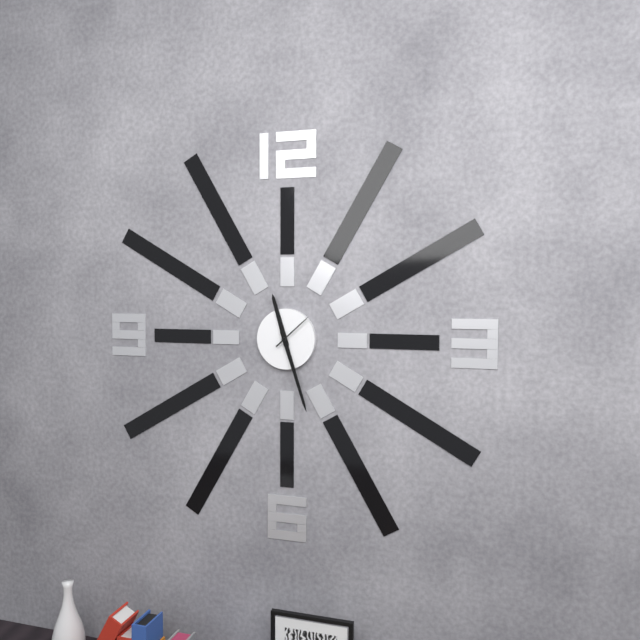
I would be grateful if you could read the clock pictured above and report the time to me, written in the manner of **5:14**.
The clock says **11:27**
